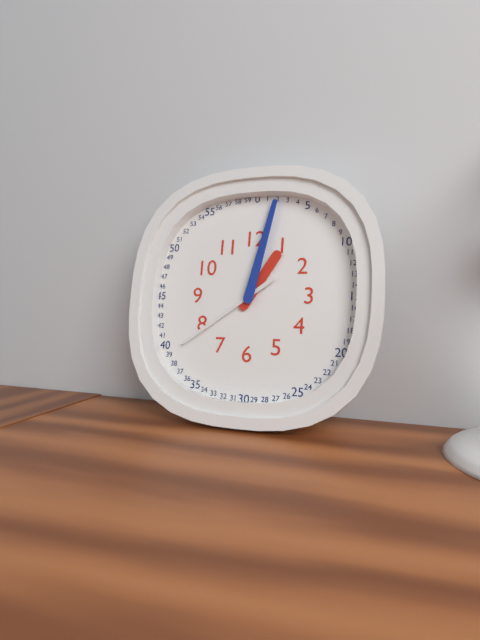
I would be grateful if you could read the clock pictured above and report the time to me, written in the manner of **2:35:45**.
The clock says **1:02:39**
